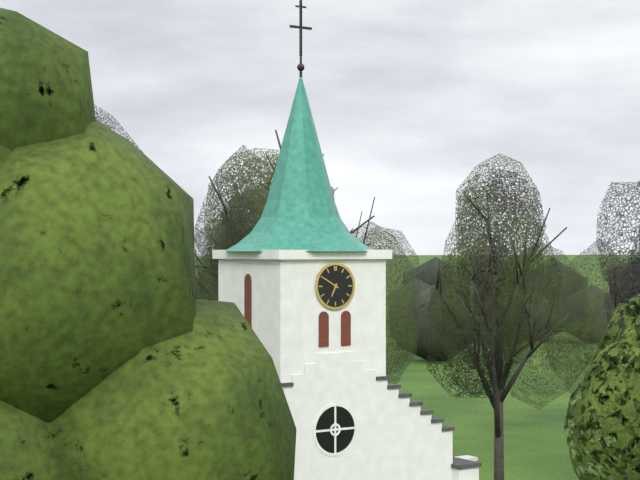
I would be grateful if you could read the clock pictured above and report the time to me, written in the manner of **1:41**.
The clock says **6:50**
